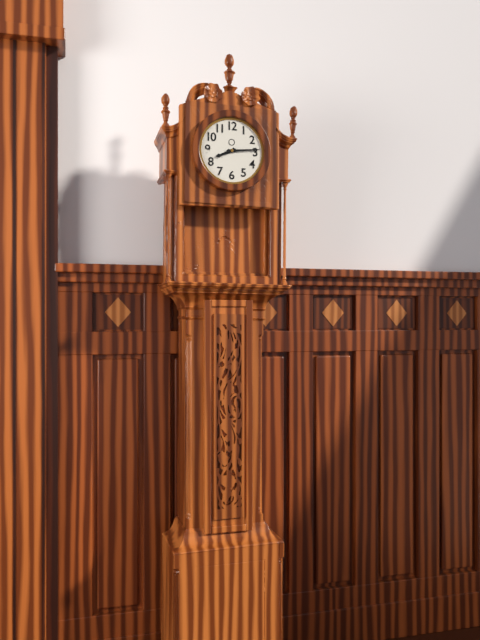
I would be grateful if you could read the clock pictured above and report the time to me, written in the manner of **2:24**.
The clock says **8:14**
